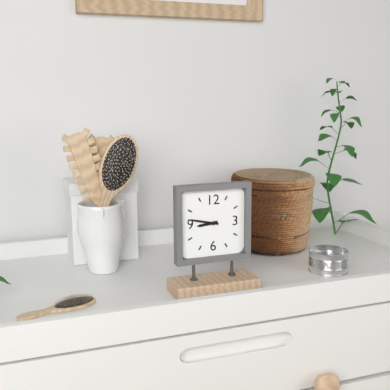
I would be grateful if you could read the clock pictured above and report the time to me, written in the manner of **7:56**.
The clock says **8:47**
